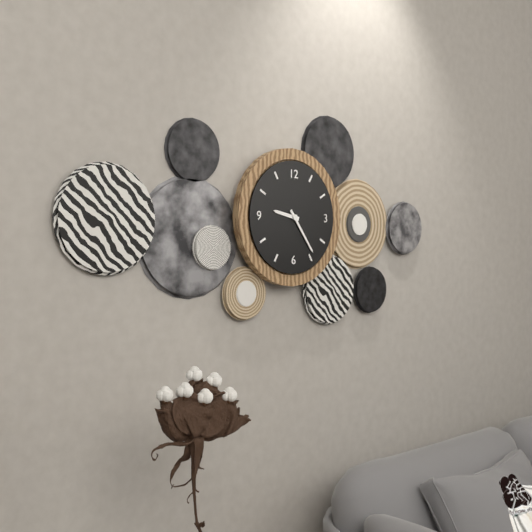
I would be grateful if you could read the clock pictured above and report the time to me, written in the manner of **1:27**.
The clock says **9:24**
